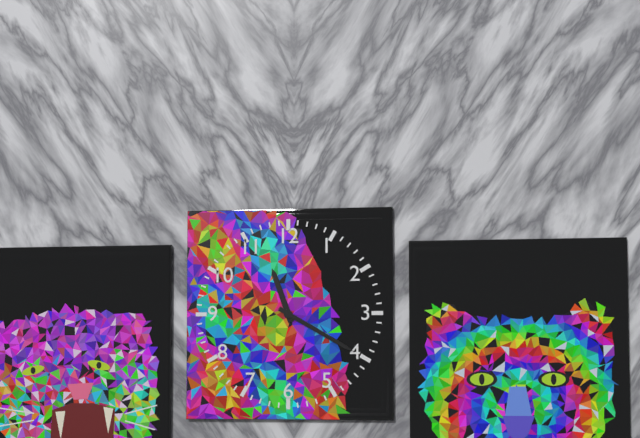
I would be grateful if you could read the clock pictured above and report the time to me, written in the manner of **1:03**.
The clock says **11:20**
